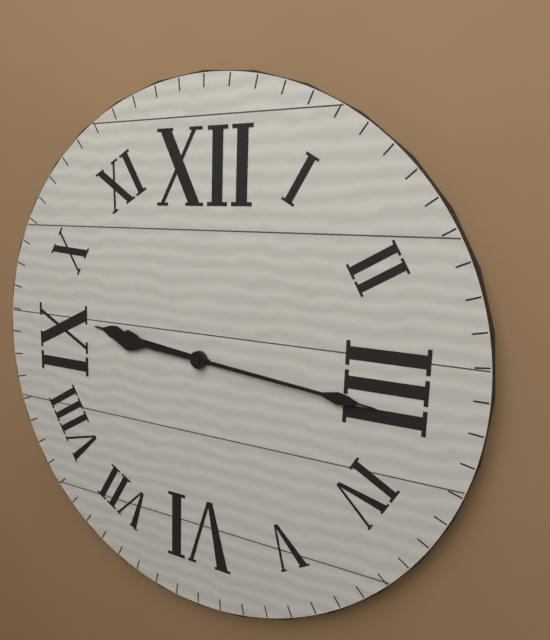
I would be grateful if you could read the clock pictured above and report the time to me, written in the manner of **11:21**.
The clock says **9:16**
